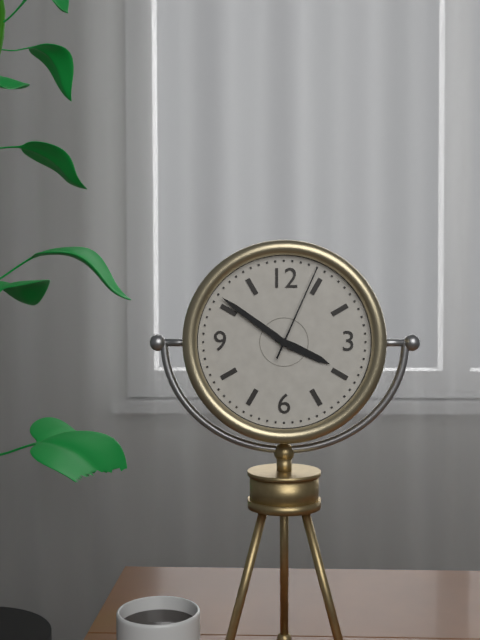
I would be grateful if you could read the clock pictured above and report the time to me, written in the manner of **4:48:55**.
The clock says **3:51:04**
